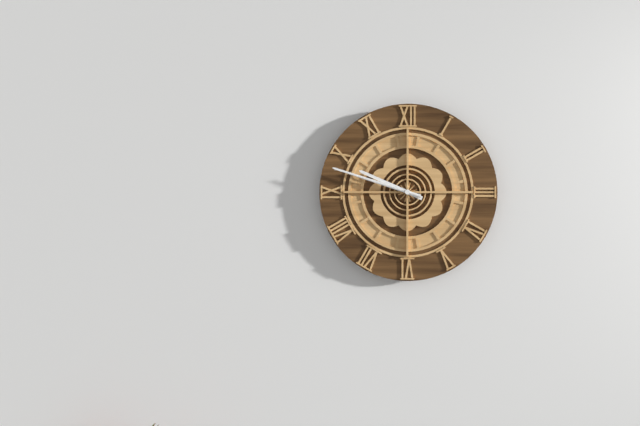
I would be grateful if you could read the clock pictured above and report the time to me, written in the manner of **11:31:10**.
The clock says **9:48:48**
